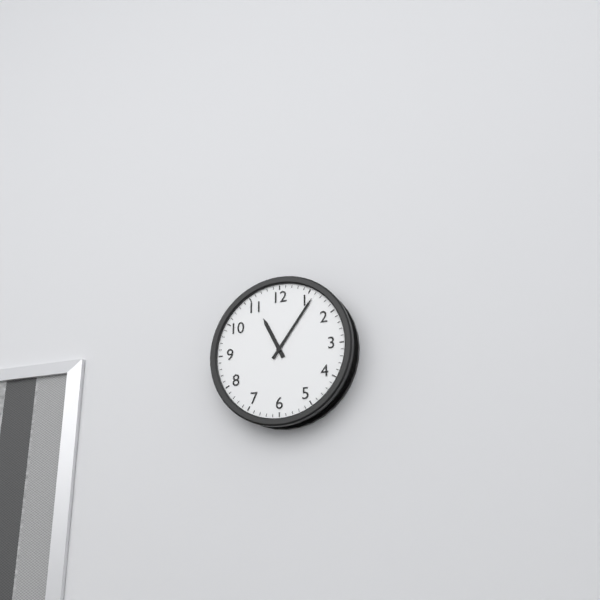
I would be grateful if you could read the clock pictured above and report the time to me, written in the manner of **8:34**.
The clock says **11:06**
